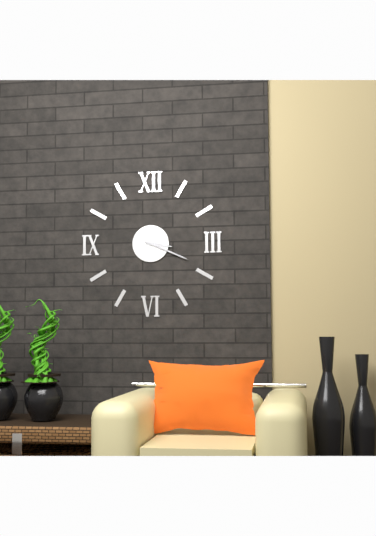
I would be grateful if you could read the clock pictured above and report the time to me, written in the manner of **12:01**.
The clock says **3:19**
